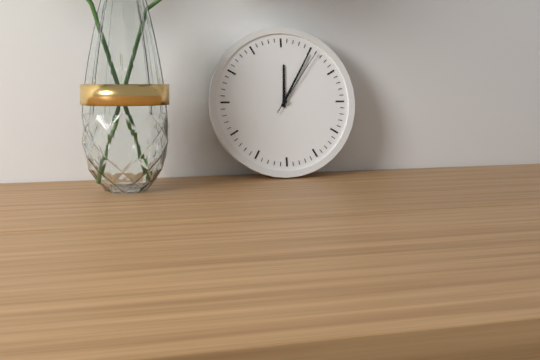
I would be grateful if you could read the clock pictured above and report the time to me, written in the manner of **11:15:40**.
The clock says **12:05:06**
